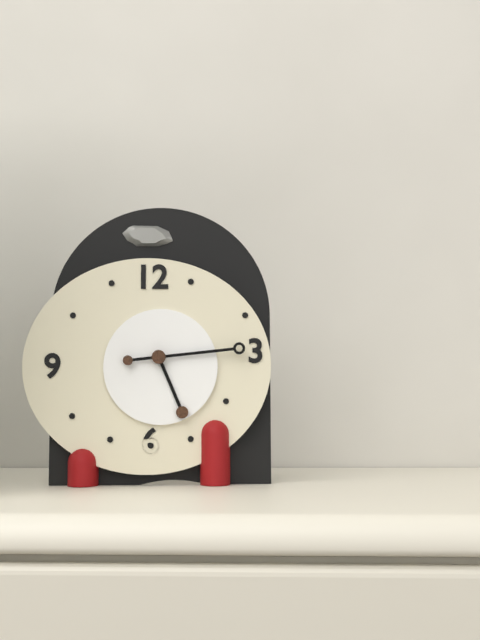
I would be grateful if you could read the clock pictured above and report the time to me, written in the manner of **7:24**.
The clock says **5:14**
